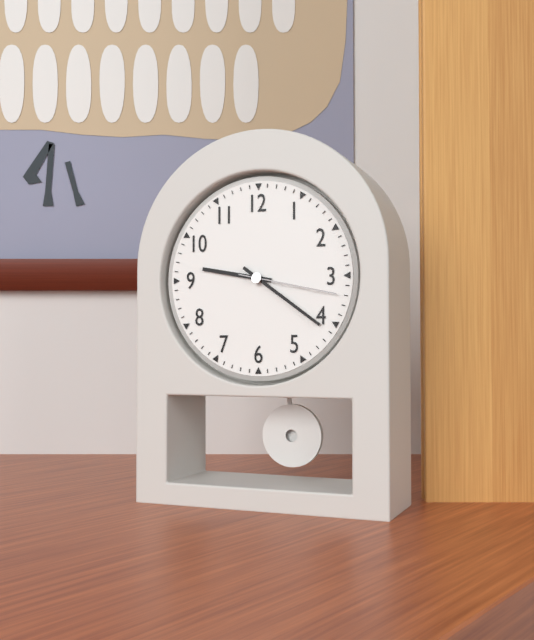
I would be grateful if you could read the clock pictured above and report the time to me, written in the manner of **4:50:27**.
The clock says **9:21:17**
